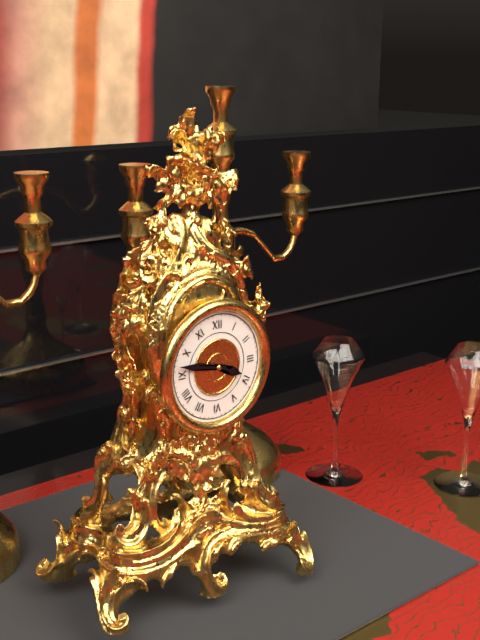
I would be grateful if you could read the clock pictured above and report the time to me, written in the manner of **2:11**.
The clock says **3:47**
